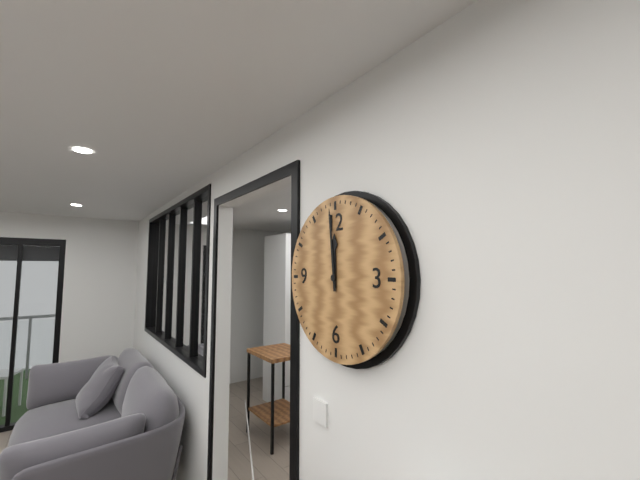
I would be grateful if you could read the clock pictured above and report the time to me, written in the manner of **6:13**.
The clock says **11:59**
